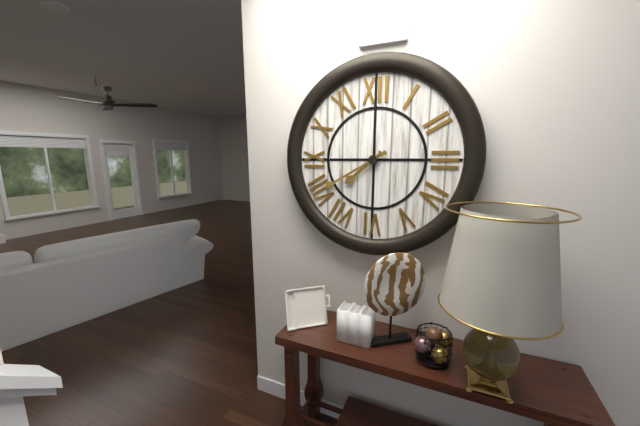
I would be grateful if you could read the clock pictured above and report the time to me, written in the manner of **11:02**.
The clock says **7:40**
